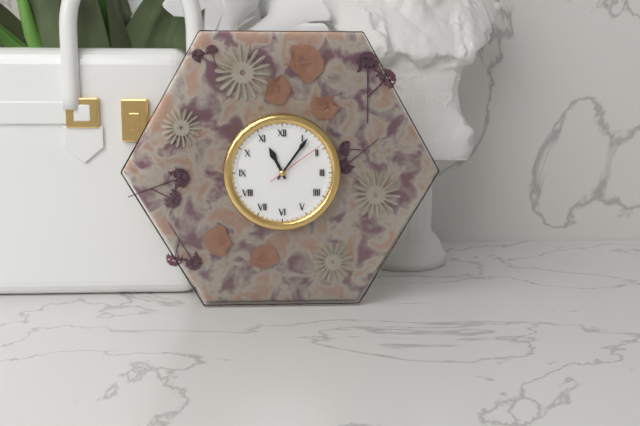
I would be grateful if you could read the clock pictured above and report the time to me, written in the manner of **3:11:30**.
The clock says **11:06:09**
